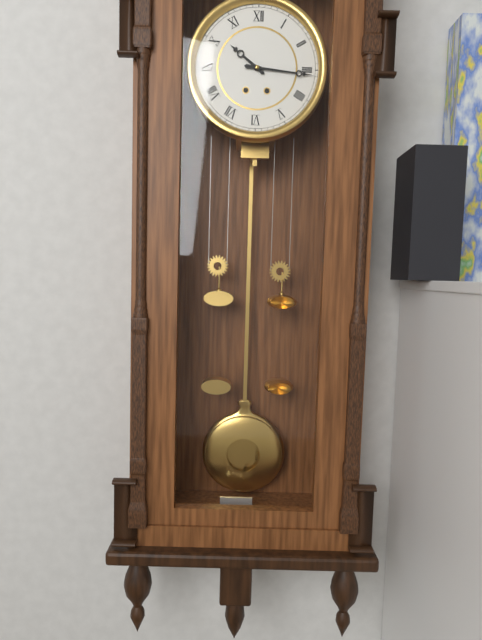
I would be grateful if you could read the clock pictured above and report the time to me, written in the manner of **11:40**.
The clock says **10:16**
